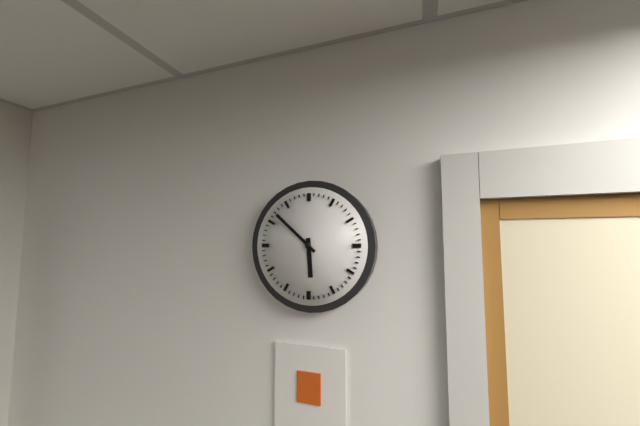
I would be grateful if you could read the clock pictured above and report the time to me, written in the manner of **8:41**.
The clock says **5:52**
